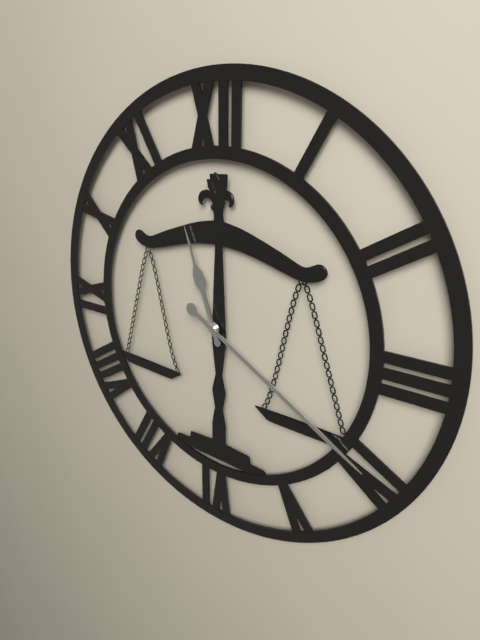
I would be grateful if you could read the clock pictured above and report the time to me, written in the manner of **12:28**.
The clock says **11:20**
